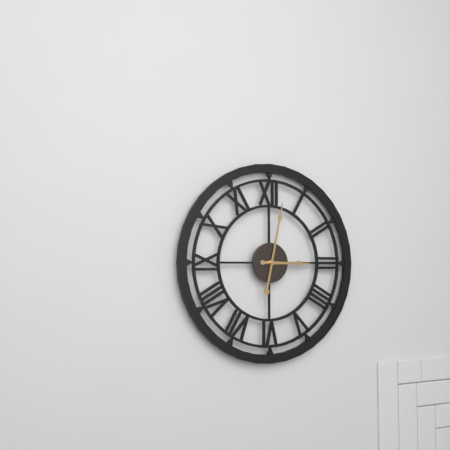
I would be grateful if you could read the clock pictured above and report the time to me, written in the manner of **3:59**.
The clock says **3:02**
